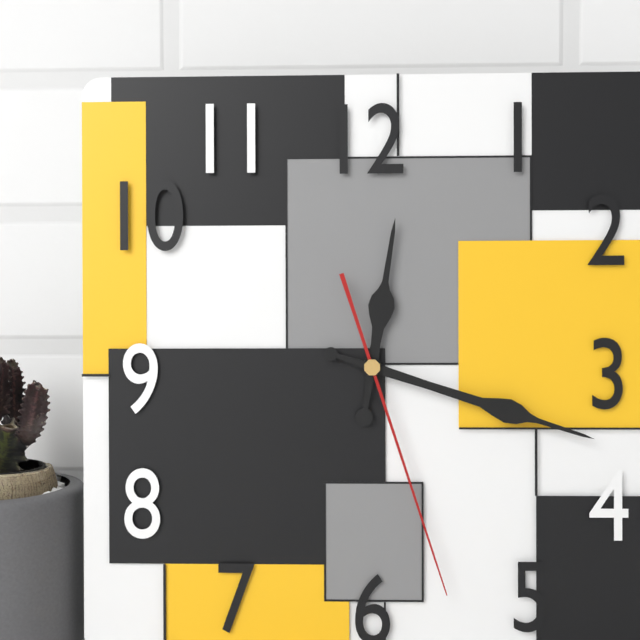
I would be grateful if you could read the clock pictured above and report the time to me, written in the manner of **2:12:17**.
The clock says **12:18:27**
